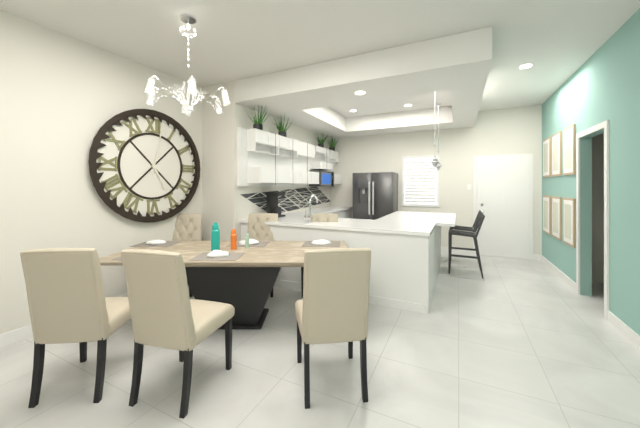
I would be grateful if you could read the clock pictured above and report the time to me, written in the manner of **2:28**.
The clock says **5:02**
